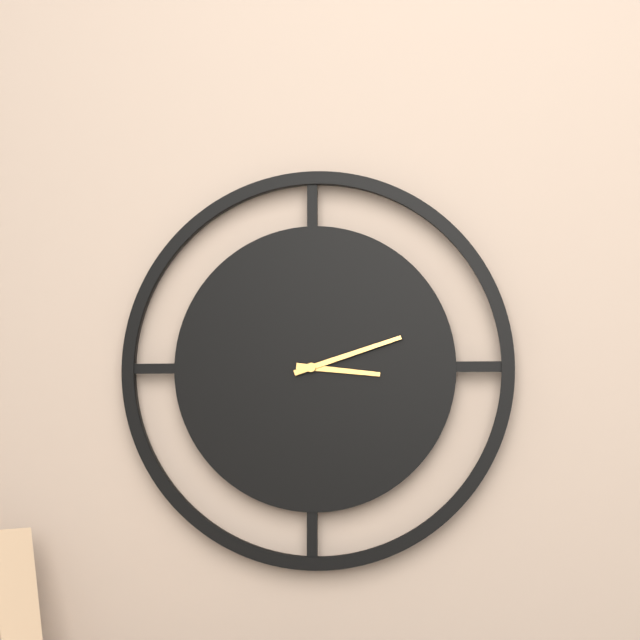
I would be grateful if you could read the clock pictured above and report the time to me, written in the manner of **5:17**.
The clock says **3:12**
